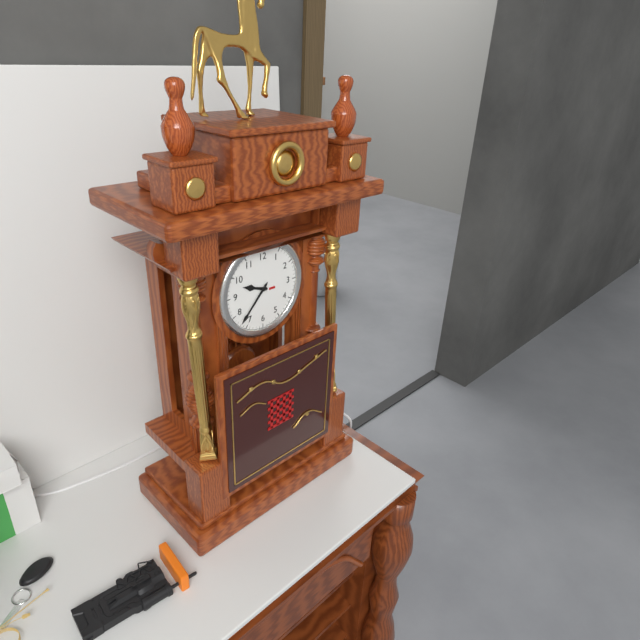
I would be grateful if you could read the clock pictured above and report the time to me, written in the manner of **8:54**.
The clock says **9:37**
